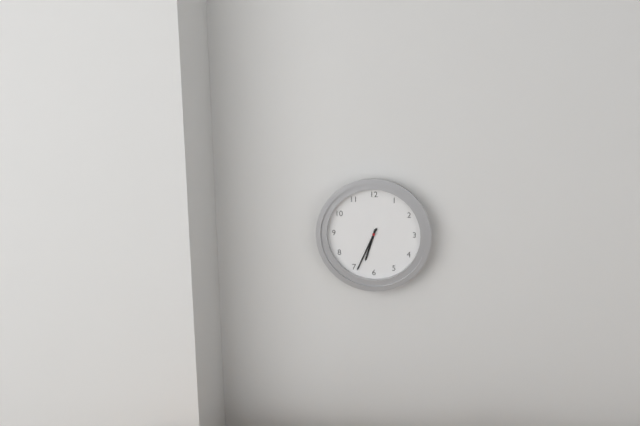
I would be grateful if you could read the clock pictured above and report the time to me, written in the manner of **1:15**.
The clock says **6:34**
